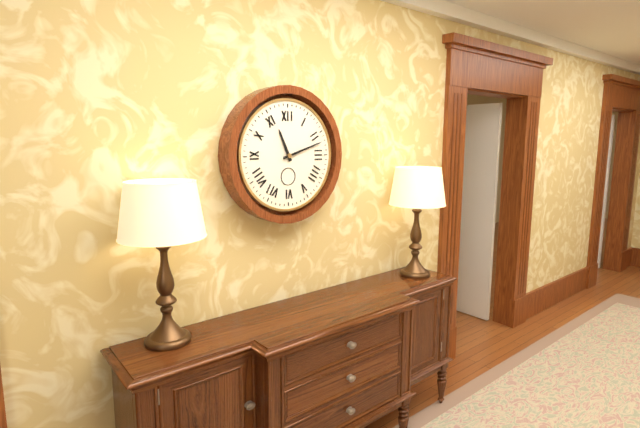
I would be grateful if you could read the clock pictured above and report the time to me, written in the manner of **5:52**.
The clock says **11:12**
